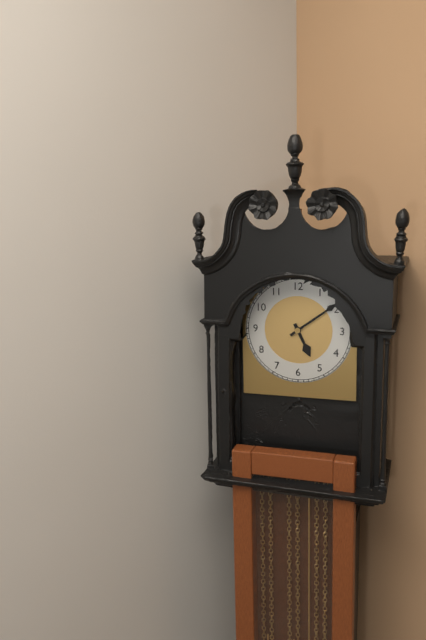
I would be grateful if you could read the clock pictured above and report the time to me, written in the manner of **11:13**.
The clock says **5:09**
